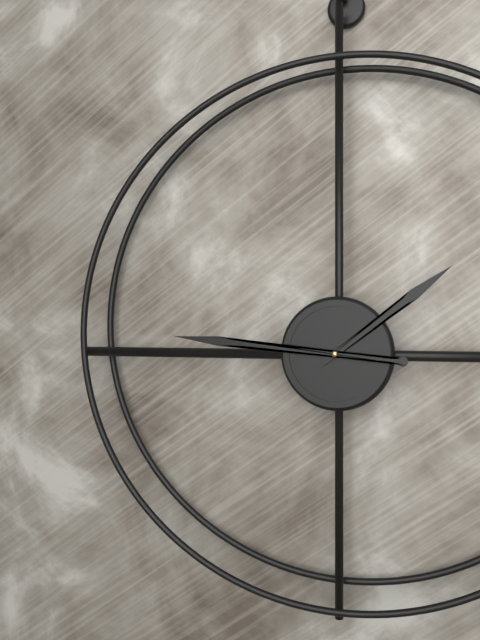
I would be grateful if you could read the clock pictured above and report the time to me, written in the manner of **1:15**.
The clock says **1:46**
